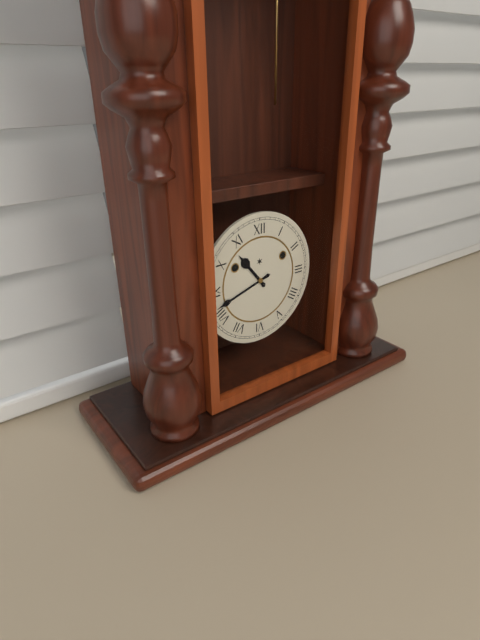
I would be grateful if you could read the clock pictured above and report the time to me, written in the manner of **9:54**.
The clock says **10:42**
